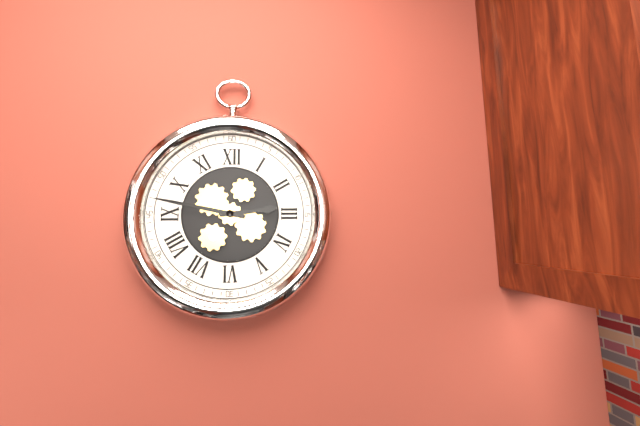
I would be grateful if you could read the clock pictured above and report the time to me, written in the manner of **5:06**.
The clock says **2:47**
